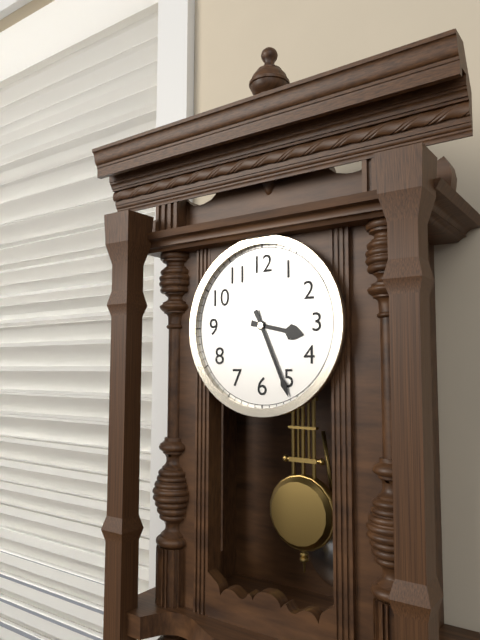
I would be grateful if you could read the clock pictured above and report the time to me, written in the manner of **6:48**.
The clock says **3:26**
